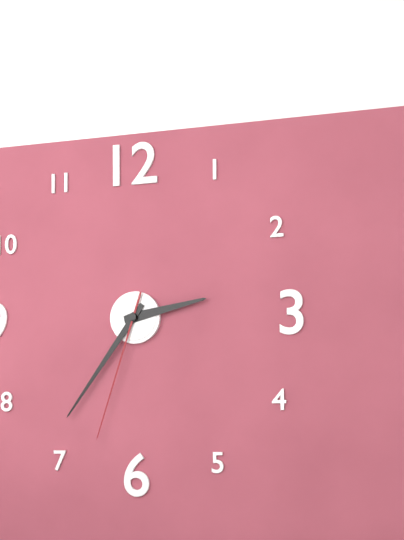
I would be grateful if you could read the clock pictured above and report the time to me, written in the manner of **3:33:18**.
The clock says **2:36:33**
